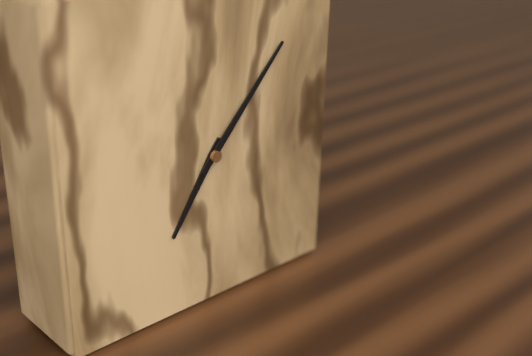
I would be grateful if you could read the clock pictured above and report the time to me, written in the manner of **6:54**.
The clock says **7:07**
